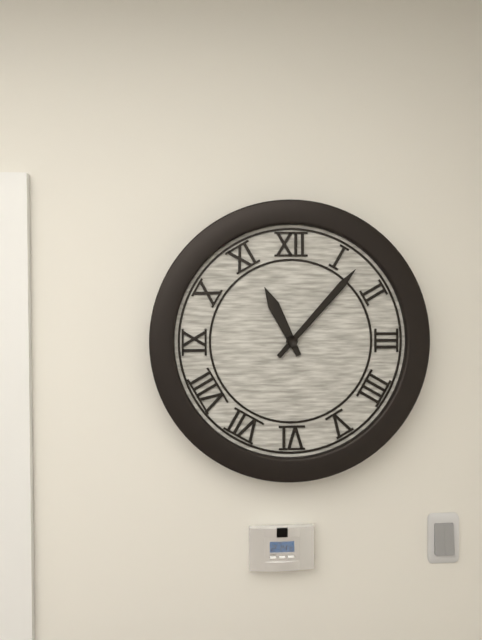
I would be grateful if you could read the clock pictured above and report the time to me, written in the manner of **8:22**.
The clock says **11:07**
